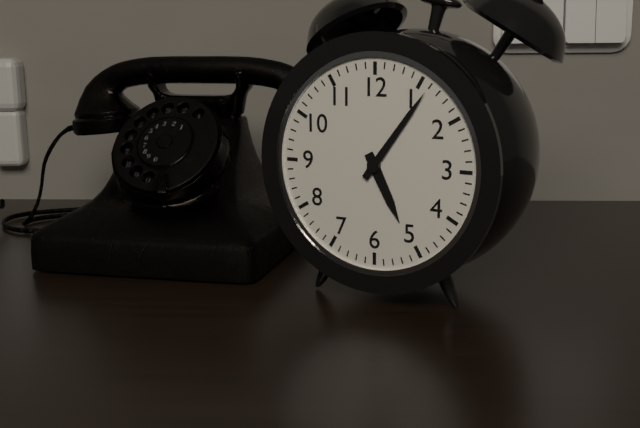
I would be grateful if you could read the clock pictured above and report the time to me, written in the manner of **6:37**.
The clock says **5:06**
